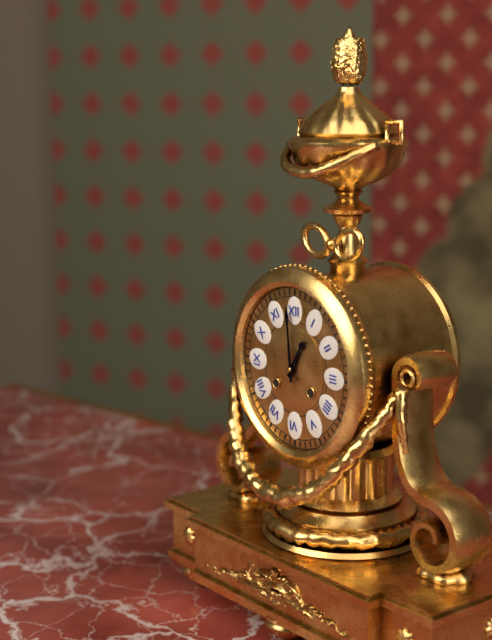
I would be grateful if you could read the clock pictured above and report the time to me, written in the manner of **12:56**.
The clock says **12:59**
